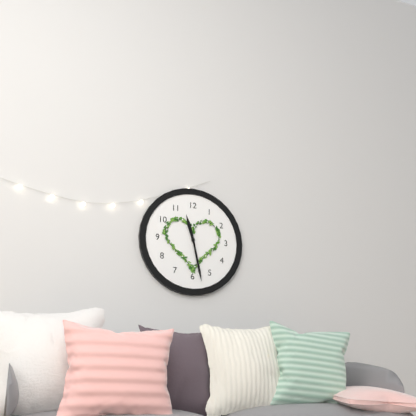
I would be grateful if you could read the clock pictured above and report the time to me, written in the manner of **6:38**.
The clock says **11:28**
